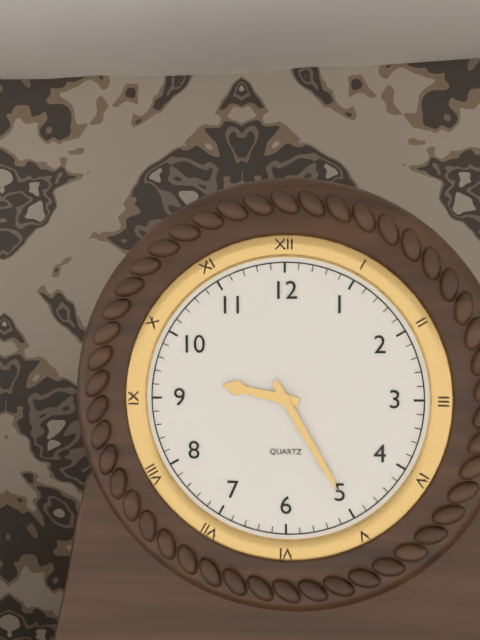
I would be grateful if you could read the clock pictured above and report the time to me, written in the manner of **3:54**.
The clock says **9:25**
